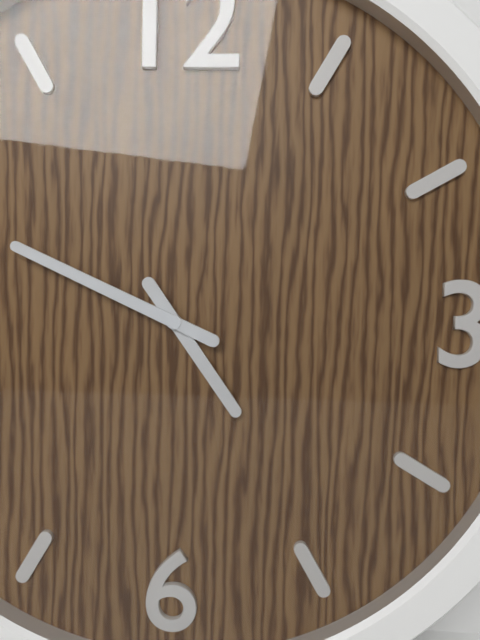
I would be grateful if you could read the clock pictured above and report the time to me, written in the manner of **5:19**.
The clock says **4:49**
